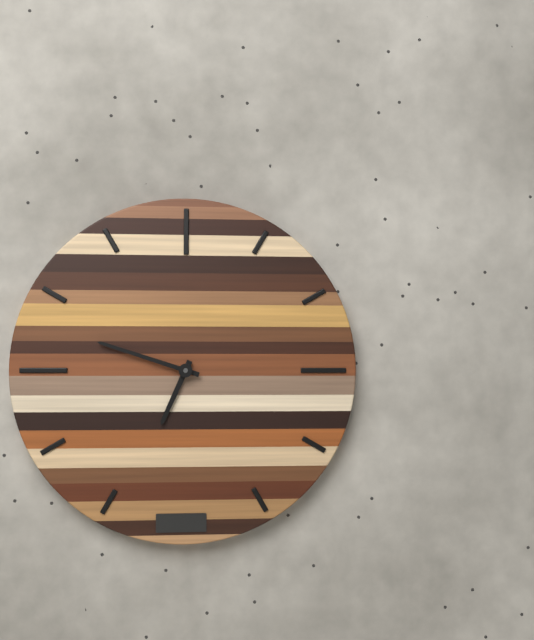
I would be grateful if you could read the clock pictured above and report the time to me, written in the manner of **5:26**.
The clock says **6:48**
